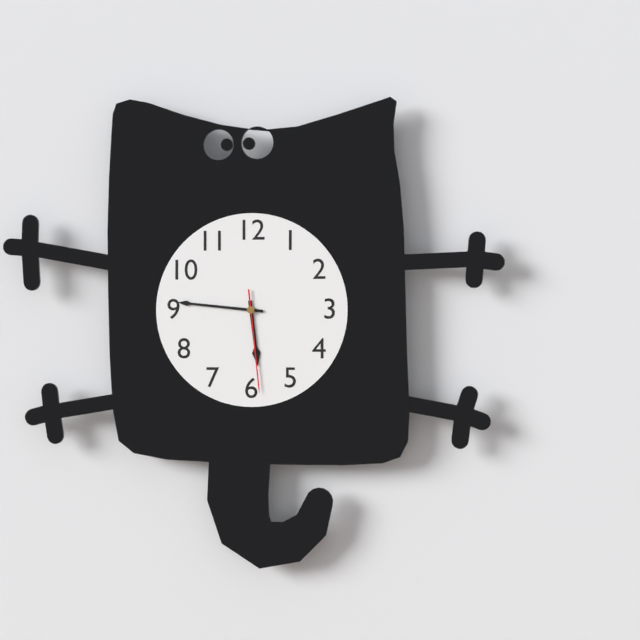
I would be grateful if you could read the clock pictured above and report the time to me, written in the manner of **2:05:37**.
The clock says **5:46:29**
